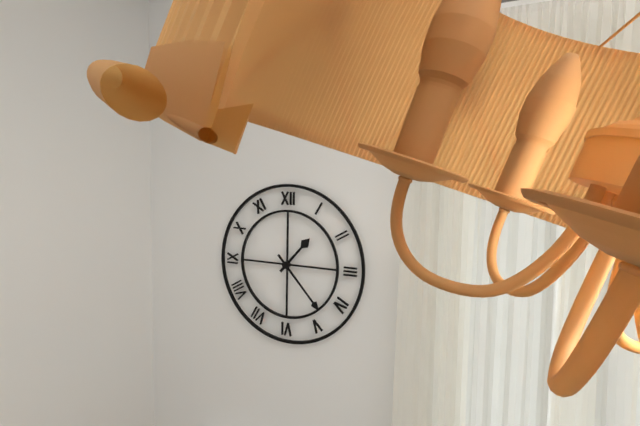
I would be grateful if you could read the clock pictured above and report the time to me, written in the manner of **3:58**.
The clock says **1:23**
